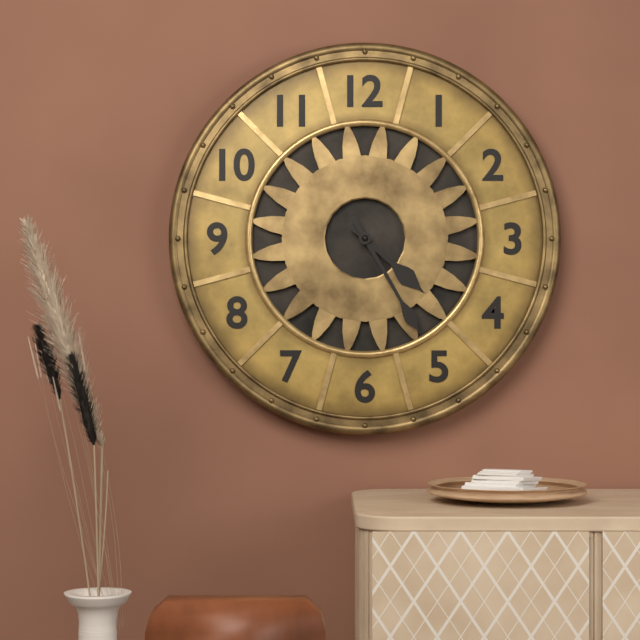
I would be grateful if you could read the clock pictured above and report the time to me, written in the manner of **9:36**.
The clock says **4:25**
